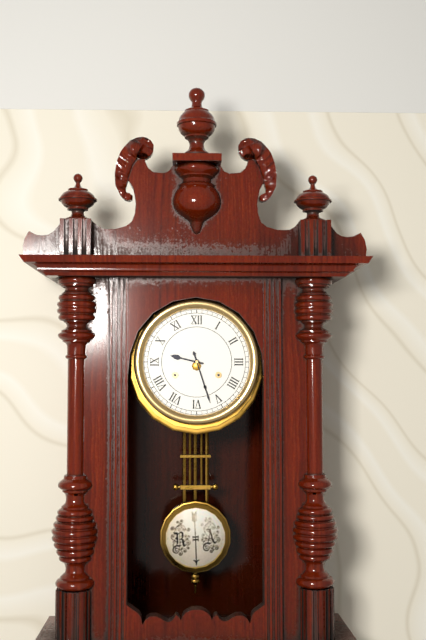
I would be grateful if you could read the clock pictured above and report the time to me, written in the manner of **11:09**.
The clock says **9:27**
